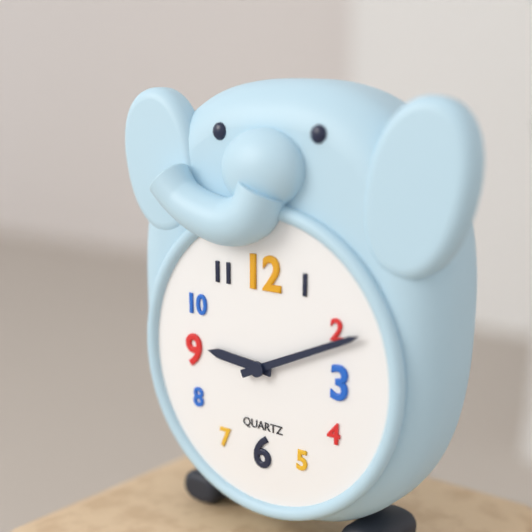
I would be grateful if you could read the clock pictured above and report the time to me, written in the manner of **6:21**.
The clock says **9:11**
